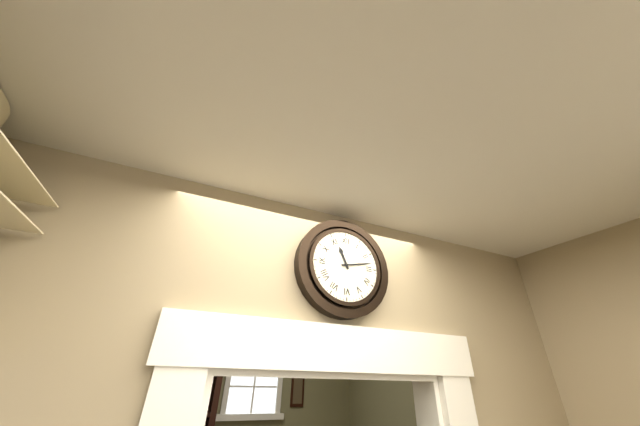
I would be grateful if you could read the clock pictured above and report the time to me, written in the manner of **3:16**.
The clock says **11:13**
